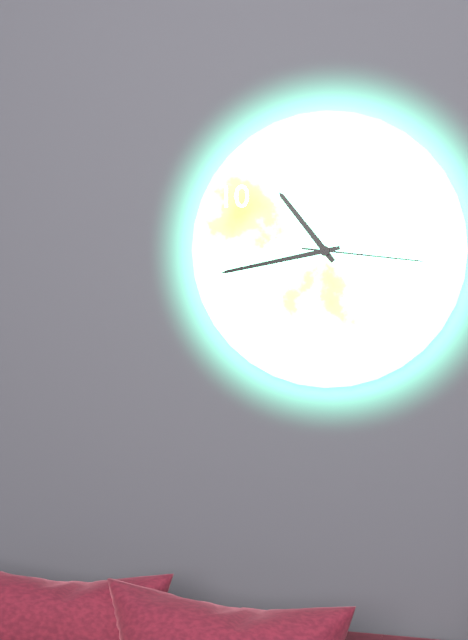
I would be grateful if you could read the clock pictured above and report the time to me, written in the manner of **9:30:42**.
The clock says **10:43:16**
